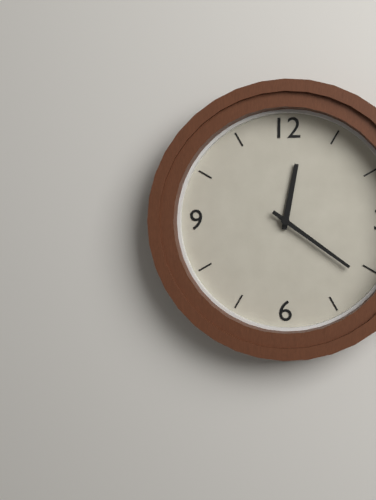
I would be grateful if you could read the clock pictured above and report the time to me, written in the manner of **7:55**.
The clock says **12:21**
